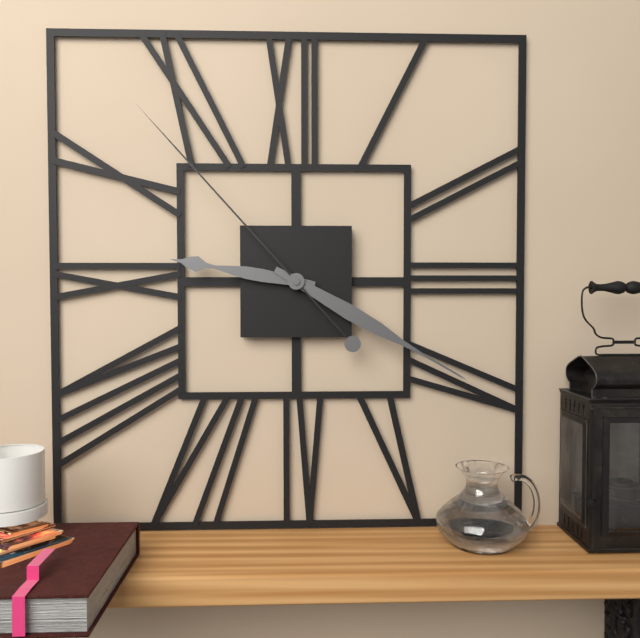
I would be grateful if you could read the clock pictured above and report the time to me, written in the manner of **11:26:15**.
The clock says **9:20:53**
